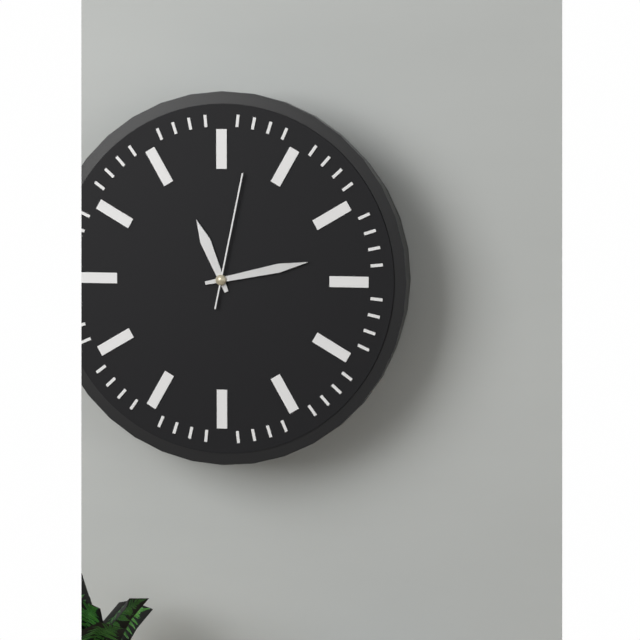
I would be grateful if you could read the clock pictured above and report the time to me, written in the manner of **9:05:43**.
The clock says **11:13:02**
